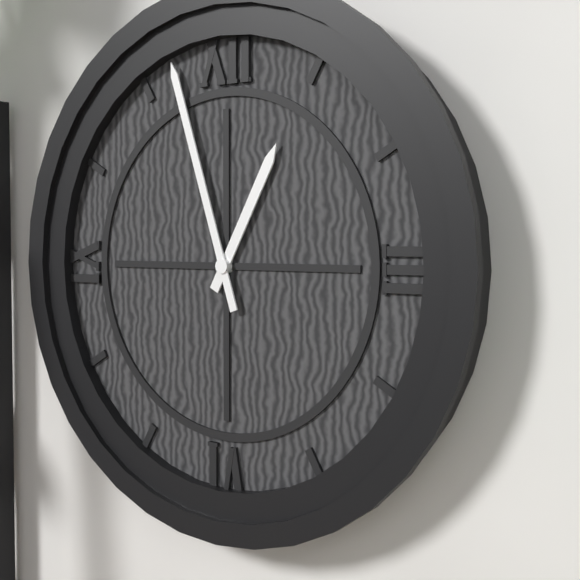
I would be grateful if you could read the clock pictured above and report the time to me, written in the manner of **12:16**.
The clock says **12:57**
